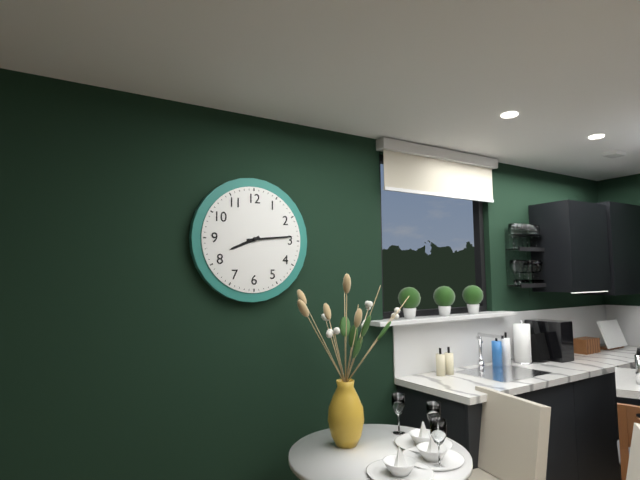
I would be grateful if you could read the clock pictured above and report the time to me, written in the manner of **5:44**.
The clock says **8:14**
